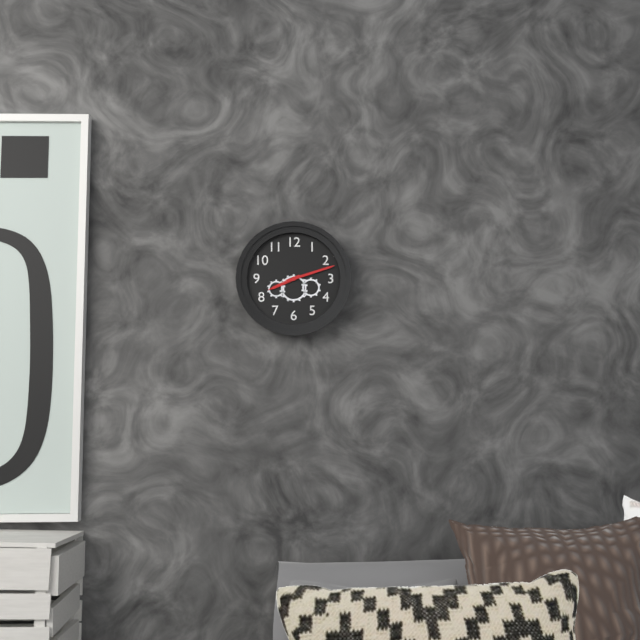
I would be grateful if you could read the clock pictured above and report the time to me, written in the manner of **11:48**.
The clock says **8:12**
